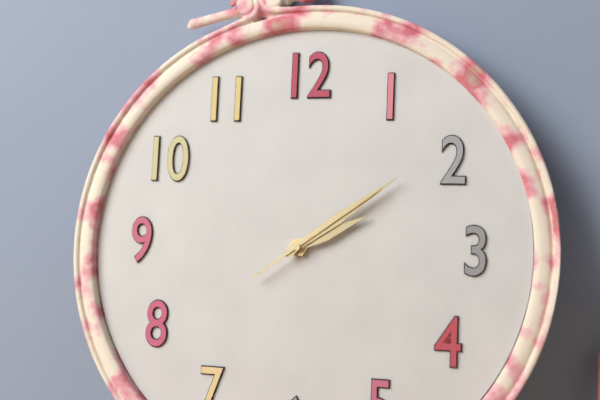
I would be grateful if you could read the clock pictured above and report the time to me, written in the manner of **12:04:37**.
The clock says **2:09:09**
